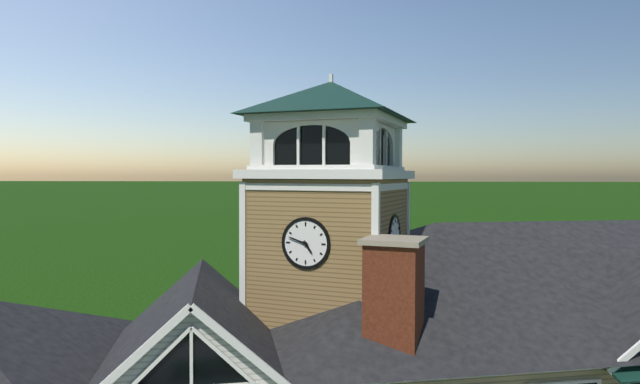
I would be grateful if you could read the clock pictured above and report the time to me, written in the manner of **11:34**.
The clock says **4:48**
